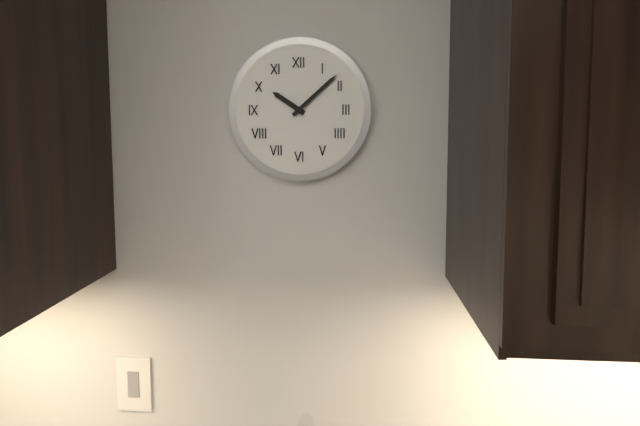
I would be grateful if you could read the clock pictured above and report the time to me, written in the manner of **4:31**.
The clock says **10:08**
